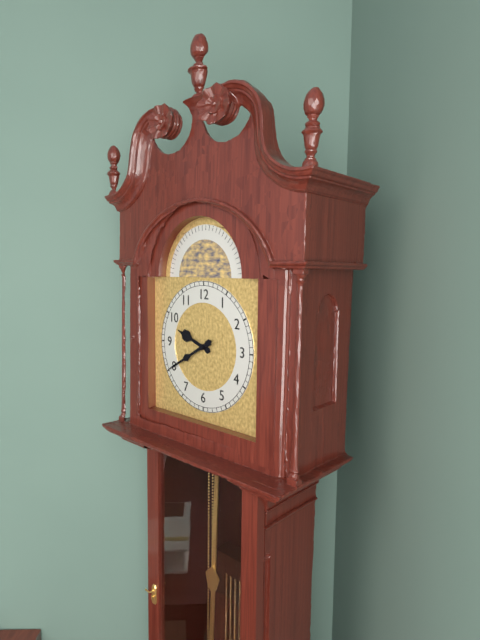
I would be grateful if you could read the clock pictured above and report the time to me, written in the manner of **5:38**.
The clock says **9:40**
